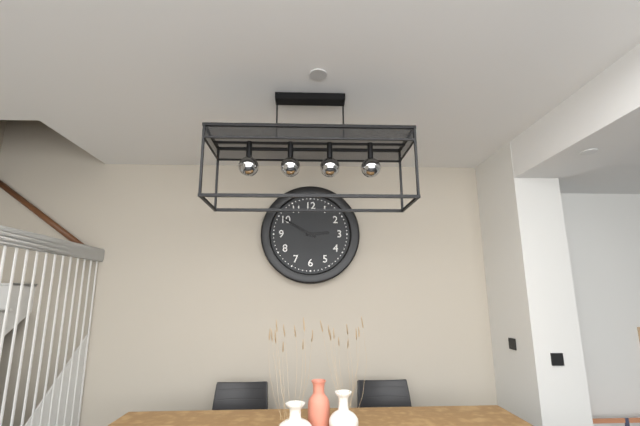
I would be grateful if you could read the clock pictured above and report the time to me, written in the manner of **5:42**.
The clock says **2:50**
